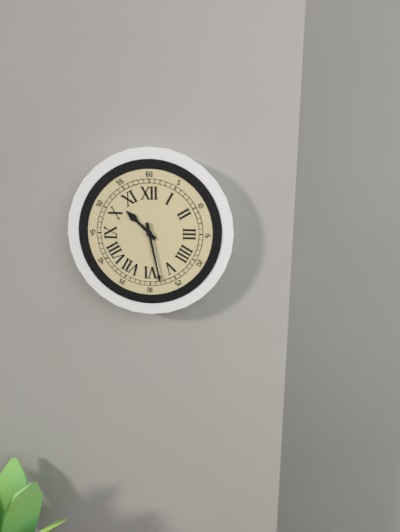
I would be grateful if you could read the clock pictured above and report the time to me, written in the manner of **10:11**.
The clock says **10:28**
